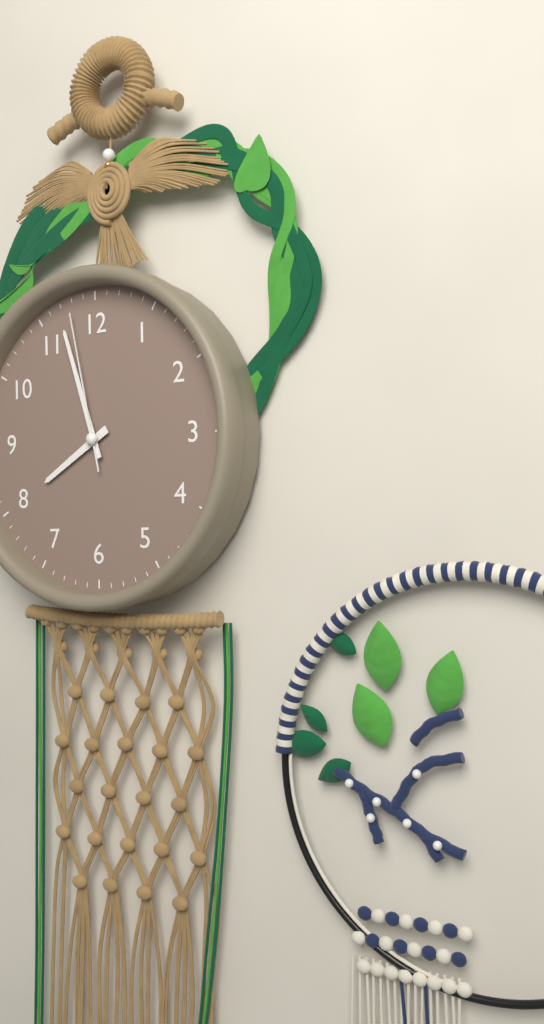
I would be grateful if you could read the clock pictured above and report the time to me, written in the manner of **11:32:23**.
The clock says **7:57:58**
